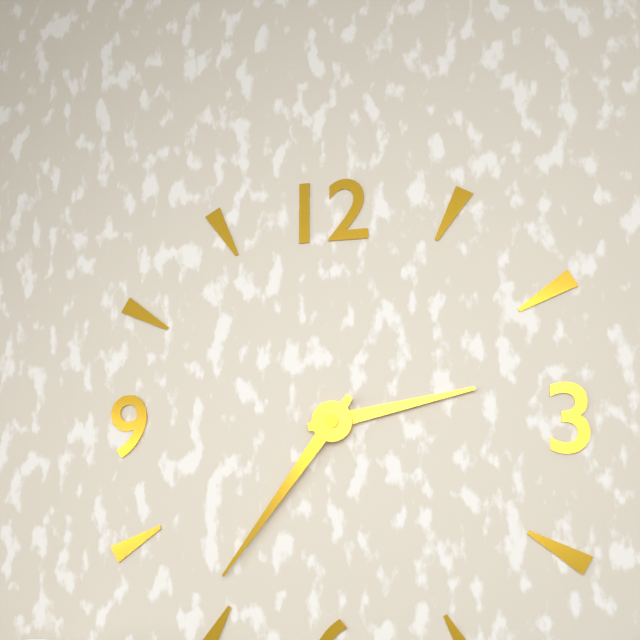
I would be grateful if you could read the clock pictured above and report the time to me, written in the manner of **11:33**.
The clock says **2:36**
